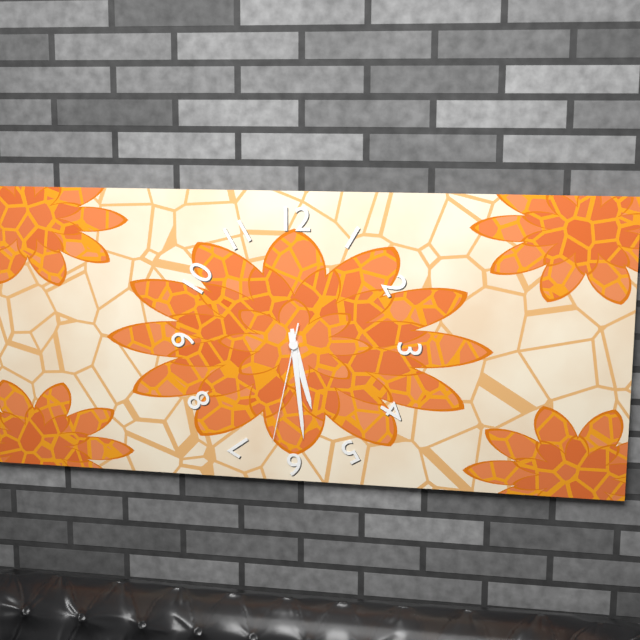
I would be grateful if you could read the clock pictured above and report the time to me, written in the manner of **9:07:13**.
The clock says **5:29:32**
